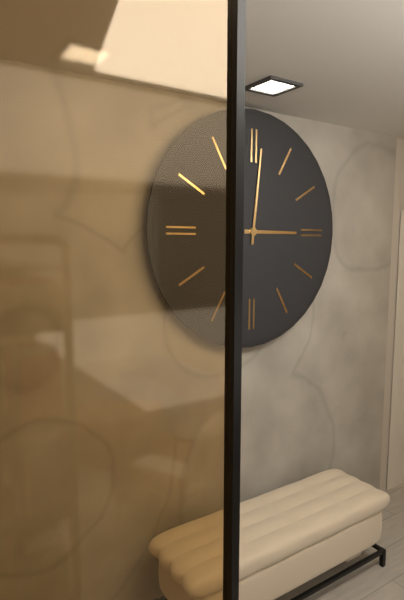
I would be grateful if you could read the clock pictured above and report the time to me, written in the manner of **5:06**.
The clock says **3:01**
